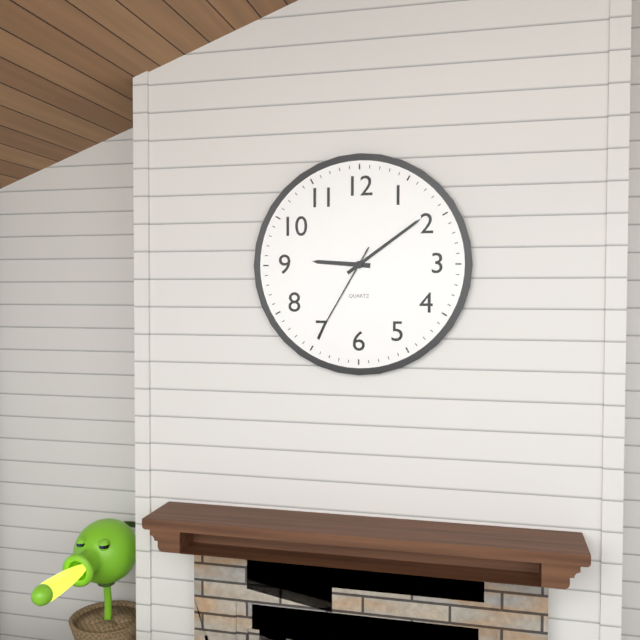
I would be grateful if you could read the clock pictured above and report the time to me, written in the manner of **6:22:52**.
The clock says **9:09:35**
